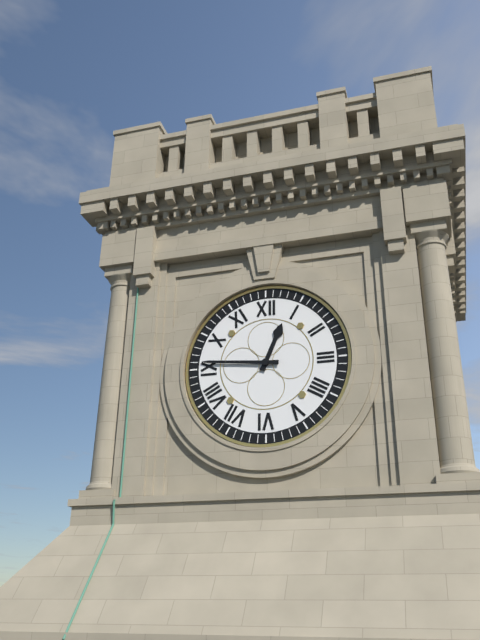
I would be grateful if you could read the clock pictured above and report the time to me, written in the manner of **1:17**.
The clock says **12:46**
